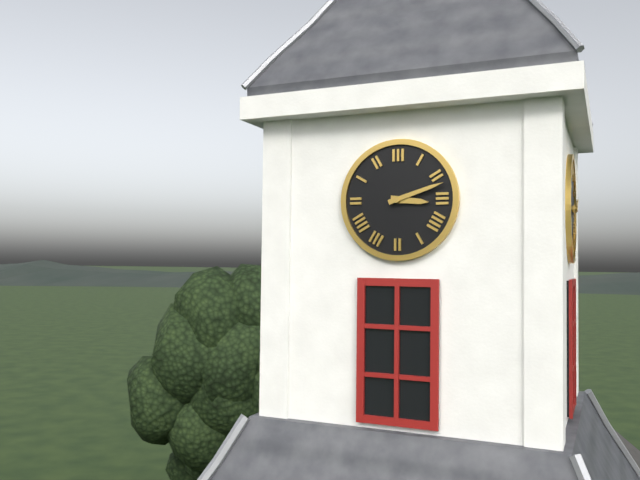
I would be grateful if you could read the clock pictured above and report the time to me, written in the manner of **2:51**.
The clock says **3:12**
